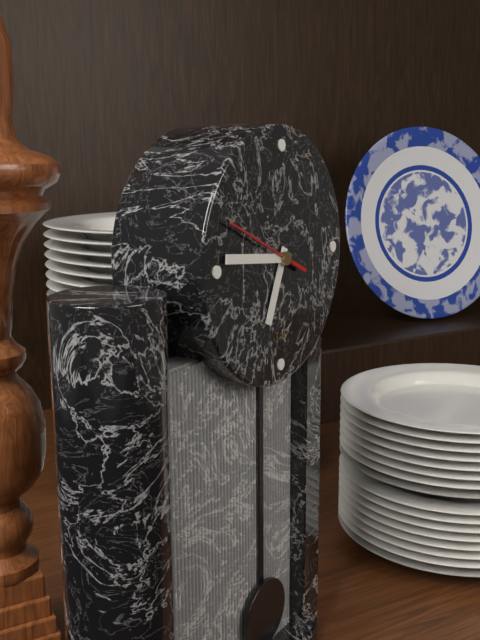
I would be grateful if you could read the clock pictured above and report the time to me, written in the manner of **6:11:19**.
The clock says **6:46:49**
